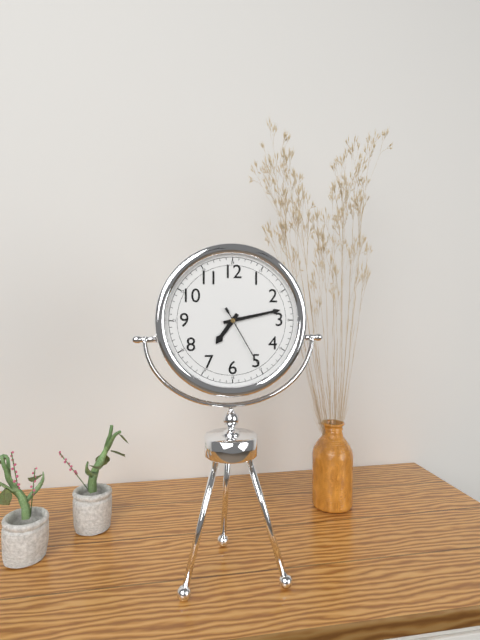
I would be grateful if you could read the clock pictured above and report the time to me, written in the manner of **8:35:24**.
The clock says **7:13:25**
